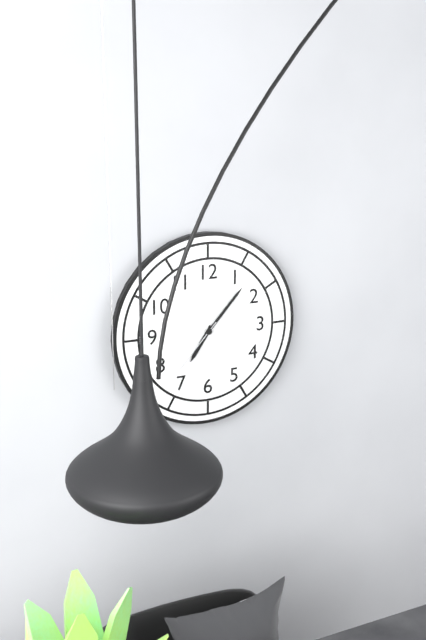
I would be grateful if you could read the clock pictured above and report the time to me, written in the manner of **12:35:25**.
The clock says **7:07:37**
